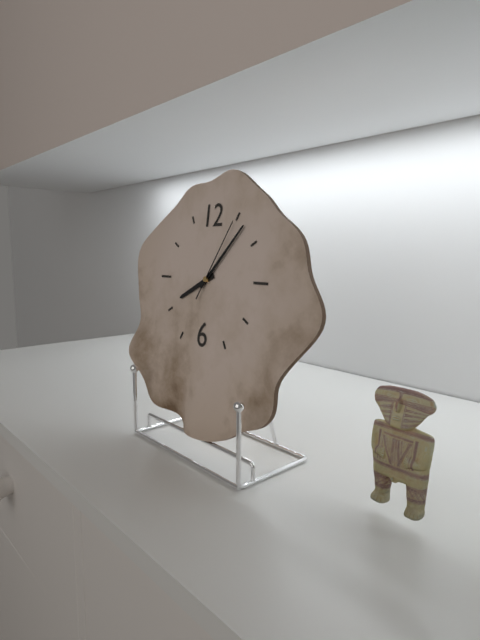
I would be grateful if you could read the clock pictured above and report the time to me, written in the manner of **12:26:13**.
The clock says **8:07:05**
